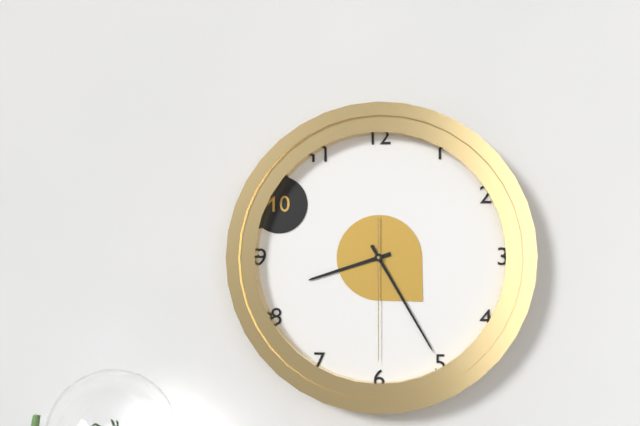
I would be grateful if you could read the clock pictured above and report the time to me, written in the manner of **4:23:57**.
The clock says **8:25:30**
